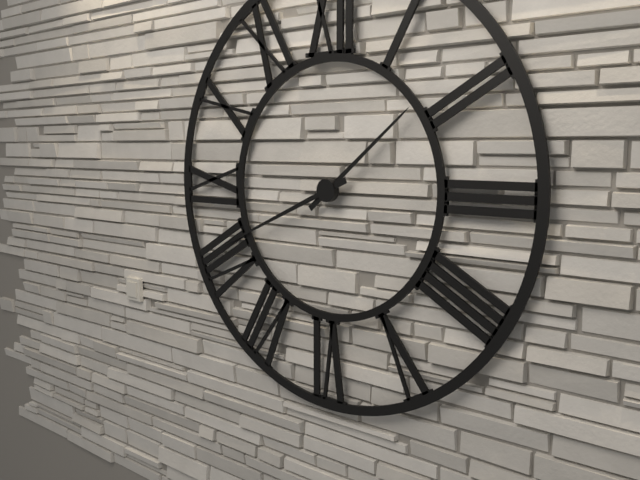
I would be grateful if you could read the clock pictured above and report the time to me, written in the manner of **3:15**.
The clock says **1:41**
